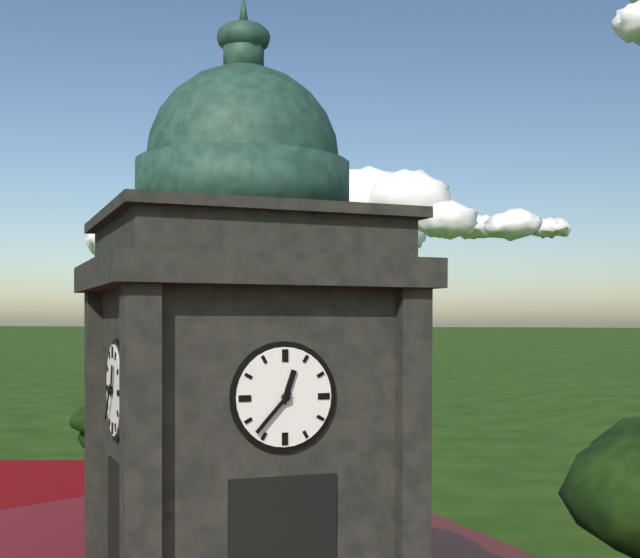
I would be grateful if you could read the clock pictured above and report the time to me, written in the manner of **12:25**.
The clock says **12:37**
